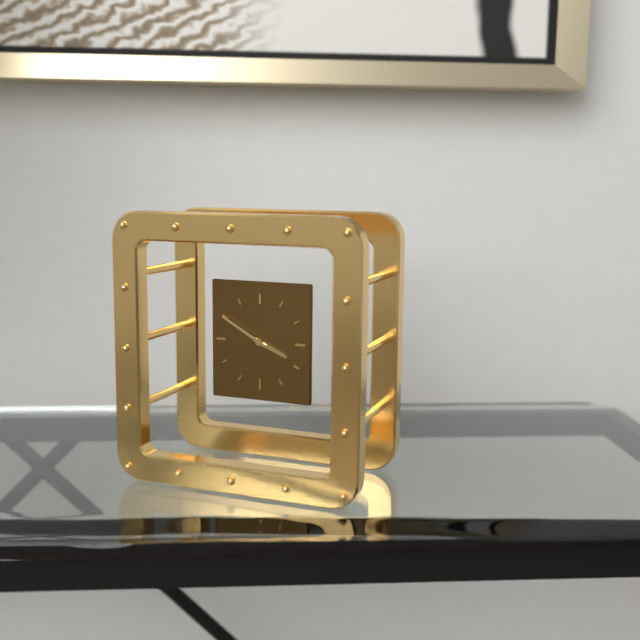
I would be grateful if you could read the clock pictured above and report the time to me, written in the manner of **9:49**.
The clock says **3:50**
